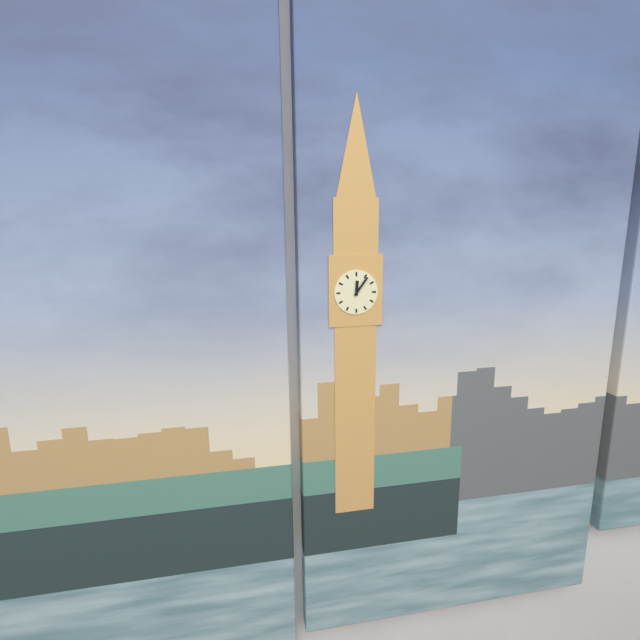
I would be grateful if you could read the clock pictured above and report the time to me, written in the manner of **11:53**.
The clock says **12:06**
